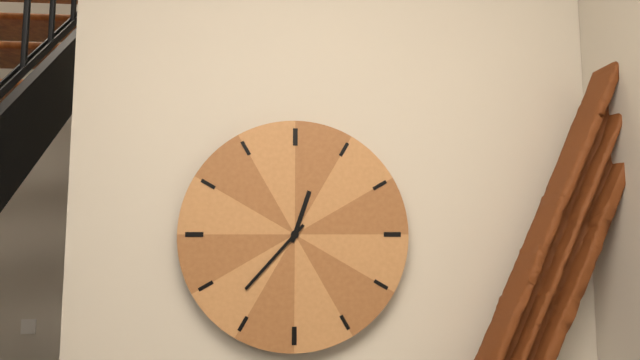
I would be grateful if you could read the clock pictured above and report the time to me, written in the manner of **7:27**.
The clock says **12:37**
